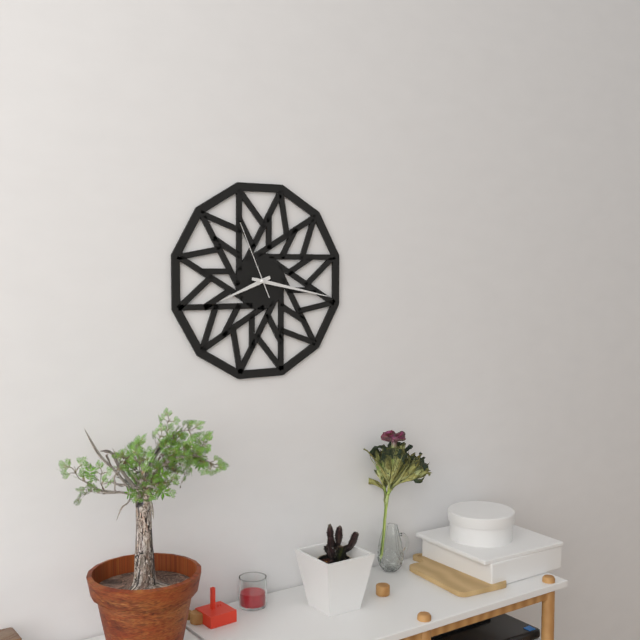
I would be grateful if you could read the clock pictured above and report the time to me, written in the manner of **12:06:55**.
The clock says **8:17:56**
